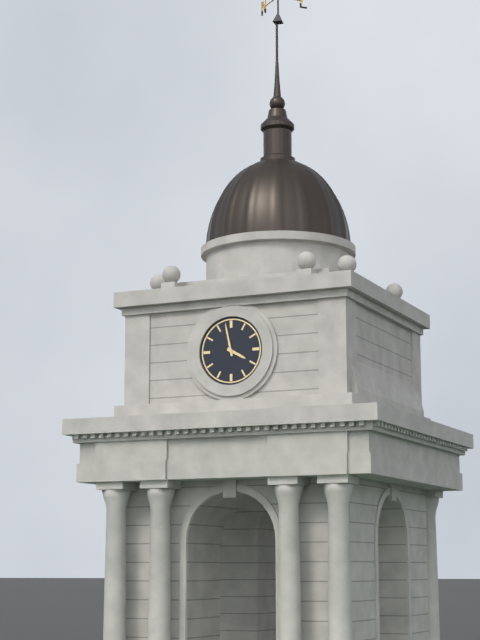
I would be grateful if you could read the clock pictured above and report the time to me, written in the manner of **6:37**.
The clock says **3:58**
